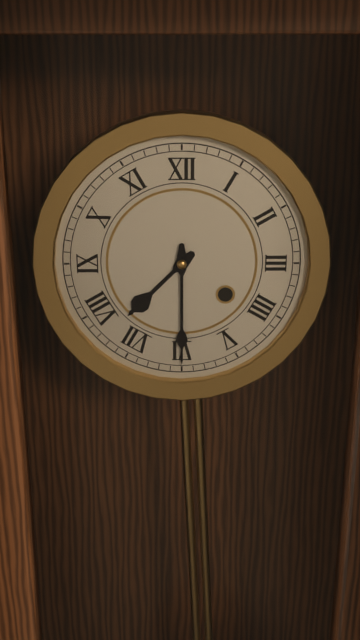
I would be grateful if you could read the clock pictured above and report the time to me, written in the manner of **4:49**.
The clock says **7:30**
